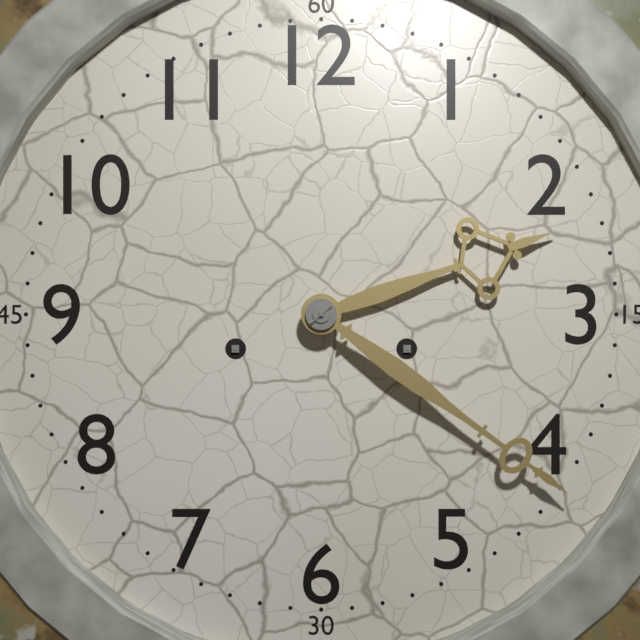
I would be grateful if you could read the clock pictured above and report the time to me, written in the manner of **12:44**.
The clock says **2:21**
